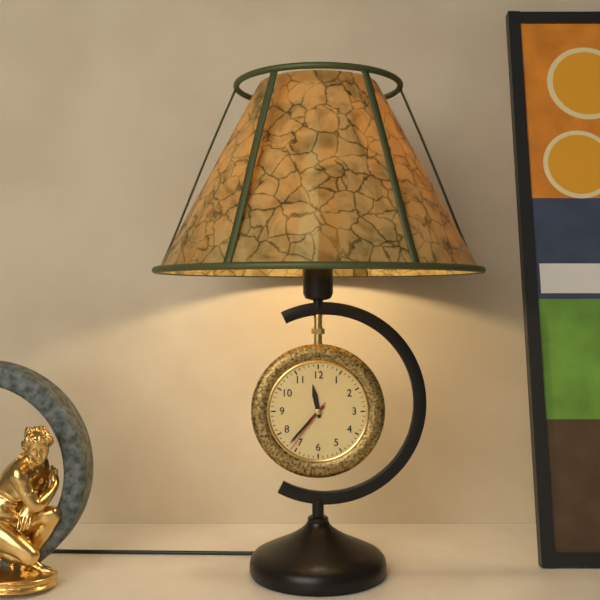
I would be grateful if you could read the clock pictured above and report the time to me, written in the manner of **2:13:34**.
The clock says **11:37:36**
